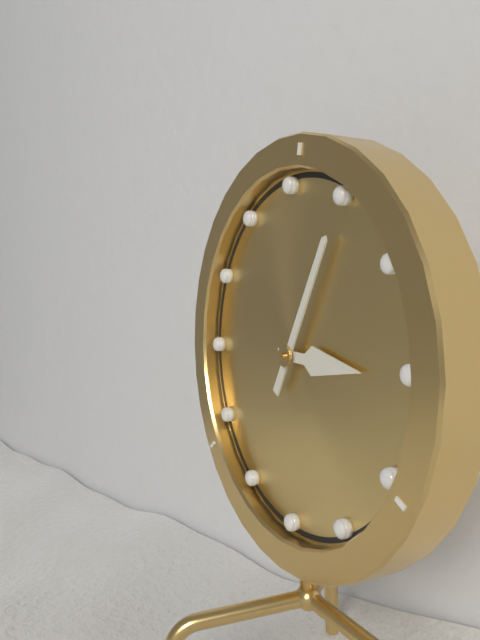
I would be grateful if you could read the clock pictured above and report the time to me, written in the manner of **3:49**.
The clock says **3:05**
